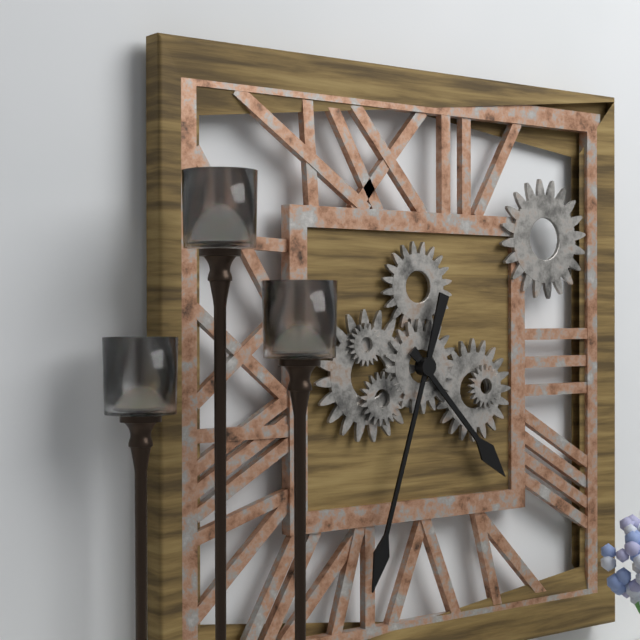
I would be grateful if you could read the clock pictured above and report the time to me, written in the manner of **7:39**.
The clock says **4:33**
